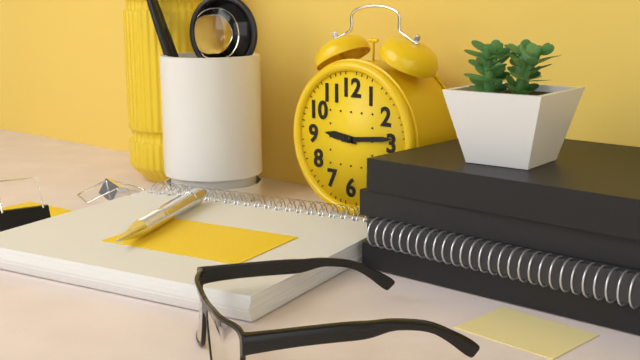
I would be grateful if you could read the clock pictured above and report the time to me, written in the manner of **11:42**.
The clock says **9:14**
